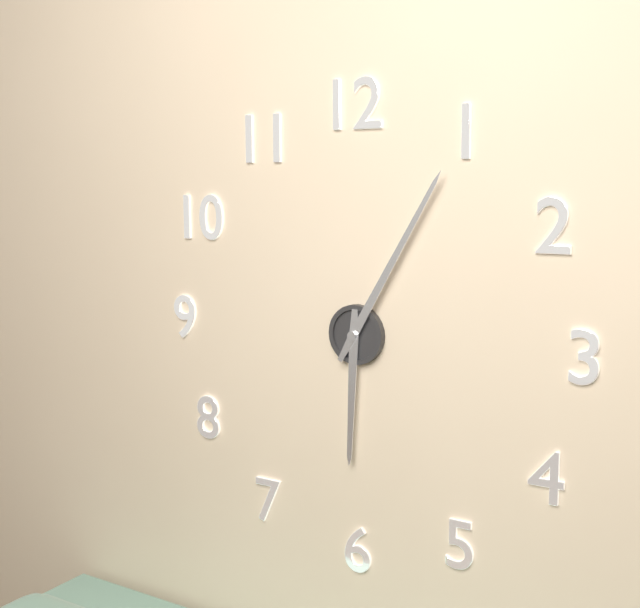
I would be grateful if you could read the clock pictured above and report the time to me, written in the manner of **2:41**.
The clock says **6:05**
